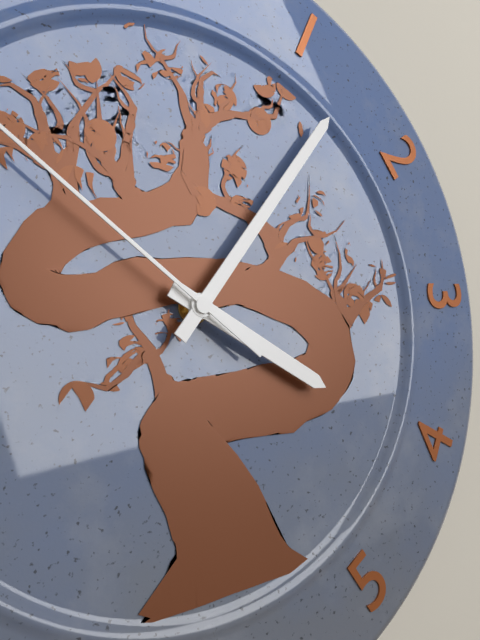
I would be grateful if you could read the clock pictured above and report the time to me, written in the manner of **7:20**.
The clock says **4:07**
